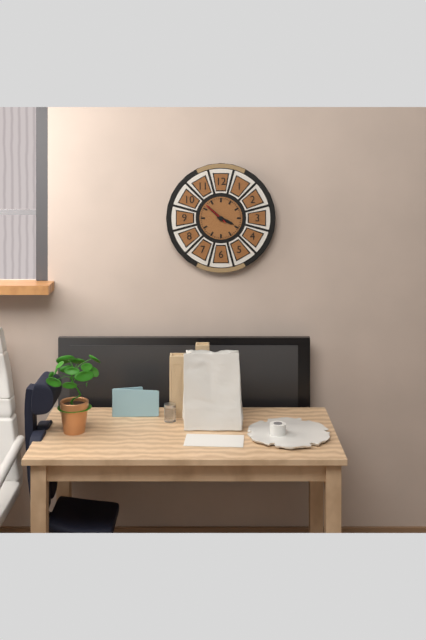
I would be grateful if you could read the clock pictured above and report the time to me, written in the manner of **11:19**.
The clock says **3:52**
